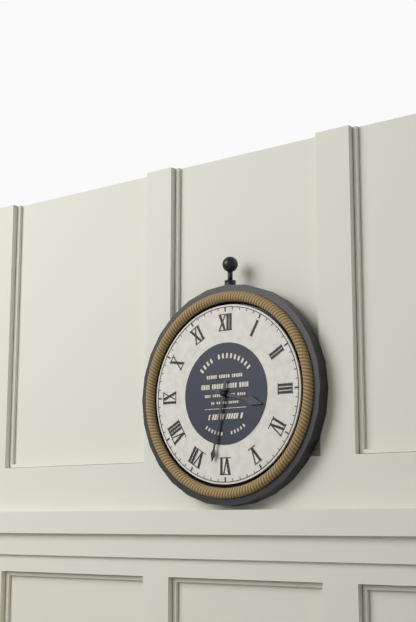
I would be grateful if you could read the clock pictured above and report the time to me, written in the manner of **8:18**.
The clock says **3:32**
